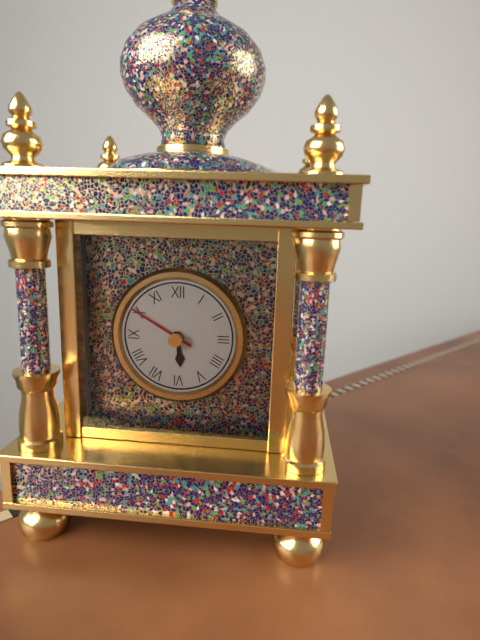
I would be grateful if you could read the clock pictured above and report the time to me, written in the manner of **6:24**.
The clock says **5:50**
